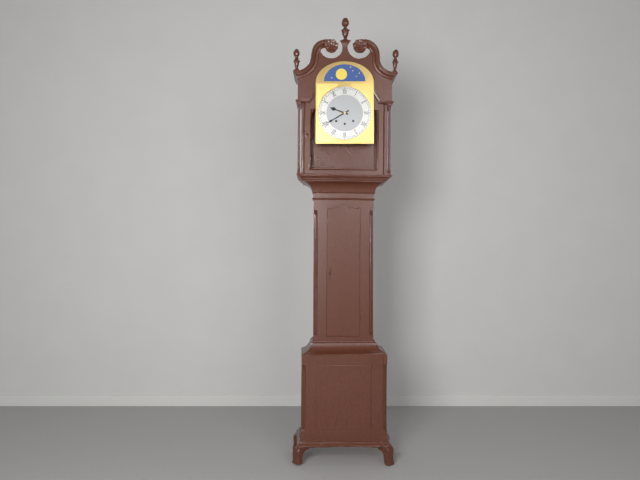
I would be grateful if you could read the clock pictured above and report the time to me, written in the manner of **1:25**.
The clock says **9:40**
